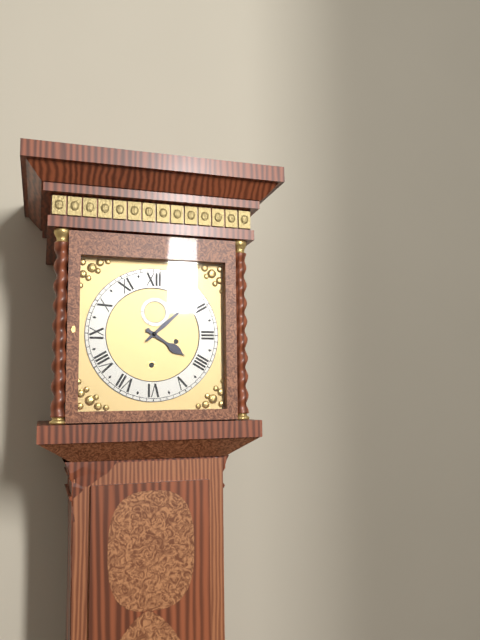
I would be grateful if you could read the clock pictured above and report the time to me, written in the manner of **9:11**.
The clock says **4:08**
